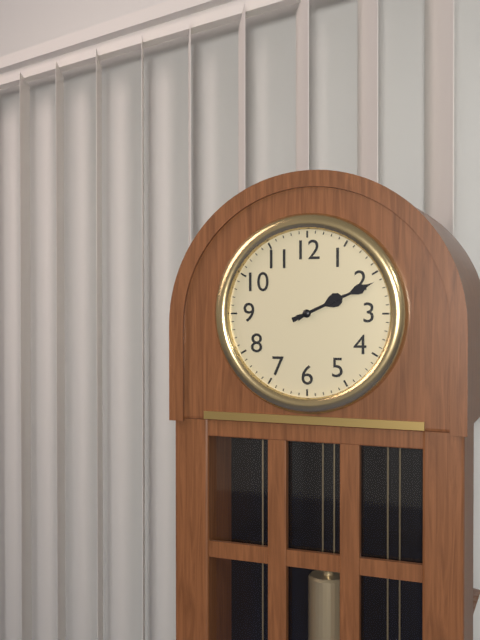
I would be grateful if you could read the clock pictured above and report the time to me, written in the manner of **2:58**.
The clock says **2:11**
